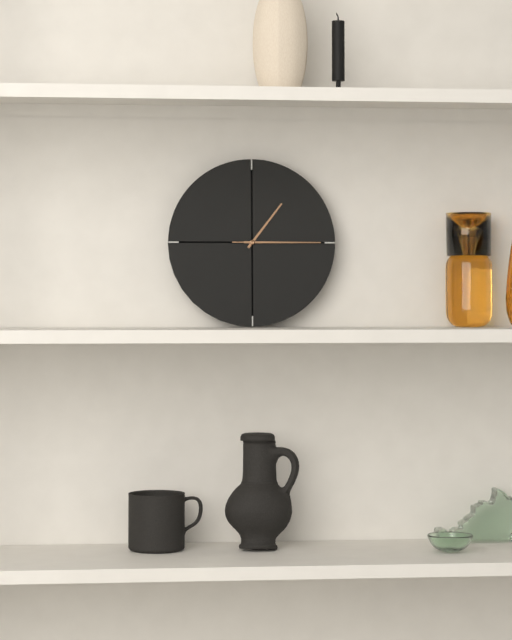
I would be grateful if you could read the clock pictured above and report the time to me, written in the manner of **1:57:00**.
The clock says **1:15:15**
